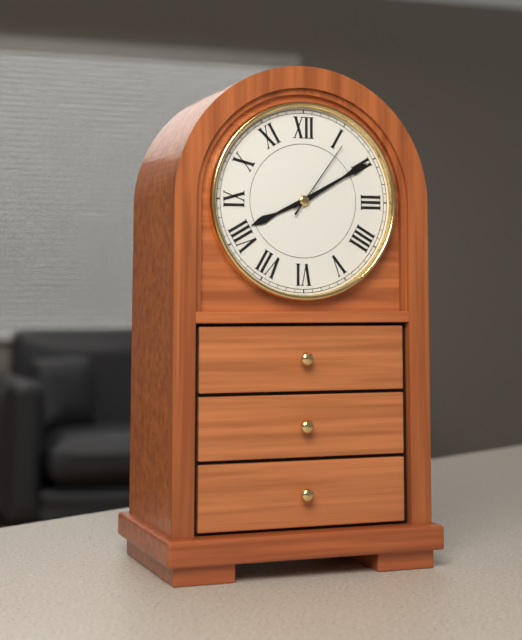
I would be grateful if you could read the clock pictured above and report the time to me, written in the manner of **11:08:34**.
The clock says **8:10:06**
